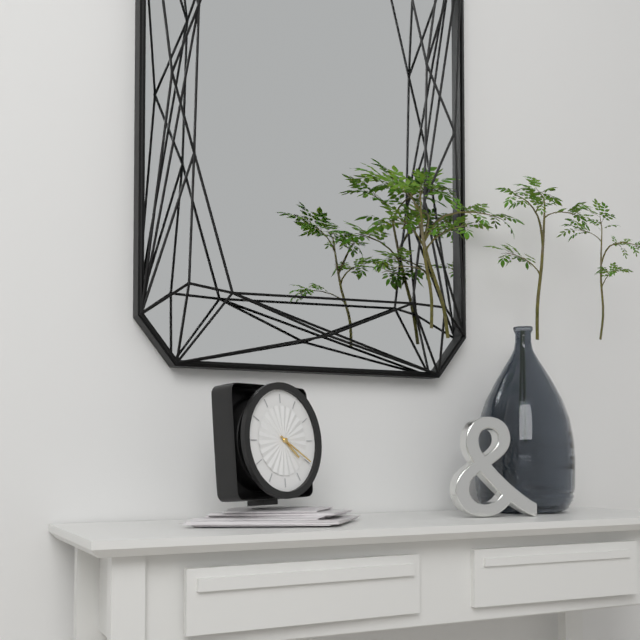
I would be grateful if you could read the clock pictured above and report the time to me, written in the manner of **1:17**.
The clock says **4:20**
